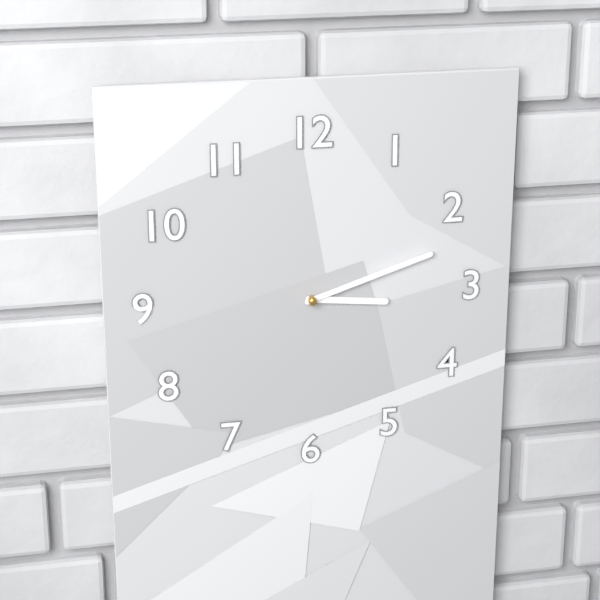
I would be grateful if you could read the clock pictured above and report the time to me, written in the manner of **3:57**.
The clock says **3:12**
